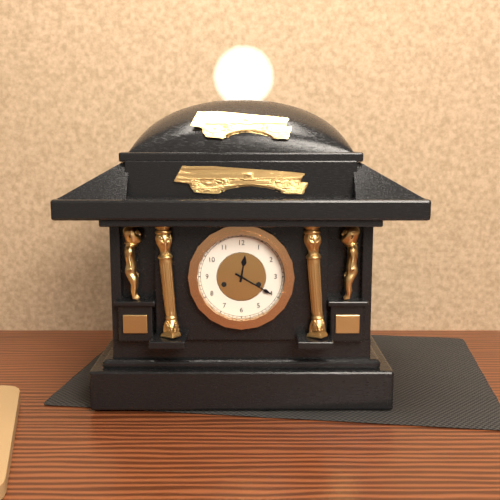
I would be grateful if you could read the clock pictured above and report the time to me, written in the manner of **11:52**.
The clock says **12:20**
